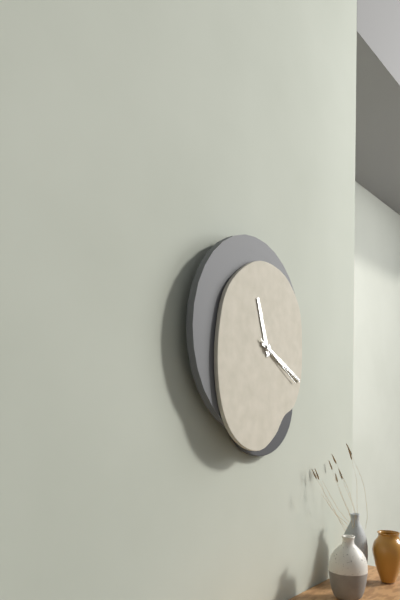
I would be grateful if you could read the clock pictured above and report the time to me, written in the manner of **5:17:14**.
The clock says **11:19:20**
